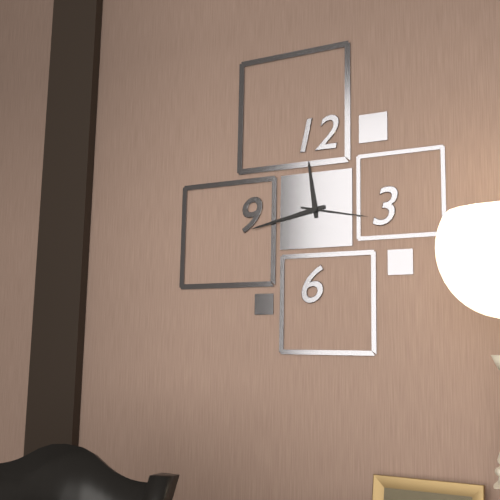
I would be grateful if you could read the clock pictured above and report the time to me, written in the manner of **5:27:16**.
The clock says **11:43:17**
